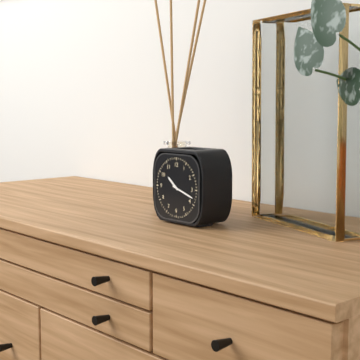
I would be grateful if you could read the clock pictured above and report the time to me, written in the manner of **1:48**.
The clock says **10:18**
